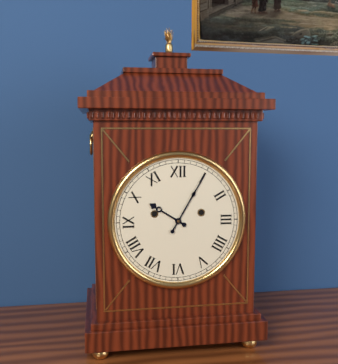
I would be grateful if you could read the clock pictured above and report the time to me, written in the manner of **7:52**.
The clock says **10:05**
